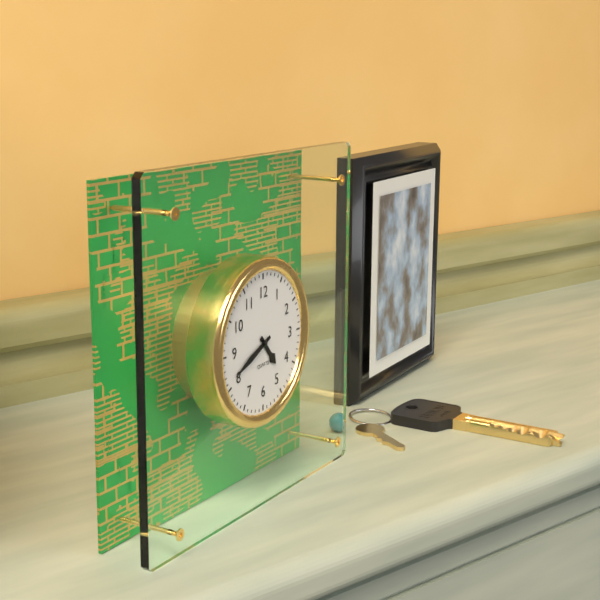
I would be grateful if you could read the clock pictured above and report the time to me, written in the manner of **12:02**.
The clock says **4:41**
